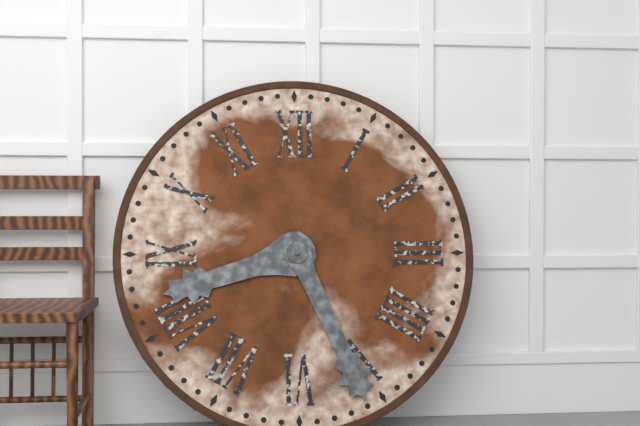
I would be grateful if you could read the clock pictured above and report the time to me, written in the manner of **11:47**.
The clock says **8:26**
